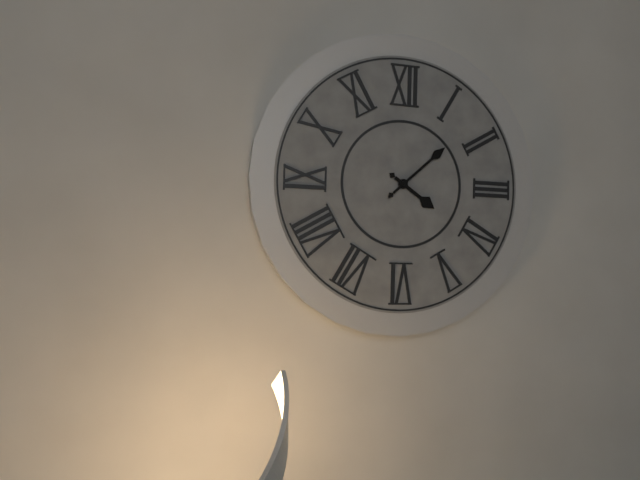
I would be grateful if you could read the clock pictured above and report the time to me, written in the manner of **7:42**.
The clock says **4:08**
